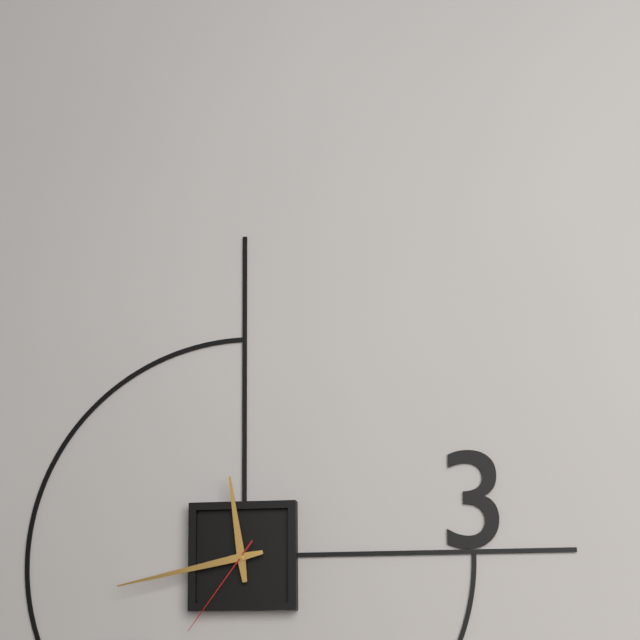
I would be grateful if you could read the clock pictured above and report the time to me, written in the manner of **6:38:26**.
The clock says **11:43:36**
